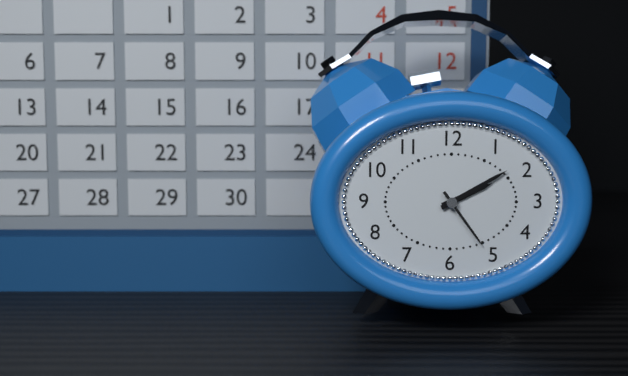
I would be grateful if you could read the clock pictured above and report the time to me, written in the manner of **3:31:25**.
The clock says **2:10:24**
